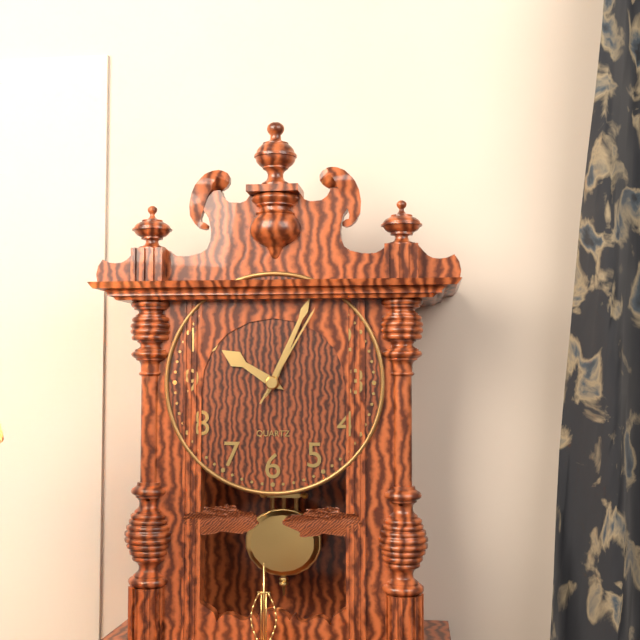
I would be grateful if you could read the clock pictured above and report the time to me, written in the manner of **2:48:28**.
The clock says **10:04:05**
